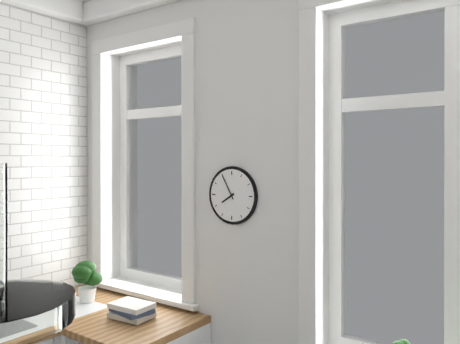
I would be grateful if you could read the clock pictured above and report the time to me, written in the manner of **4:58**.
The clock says **7:55**
